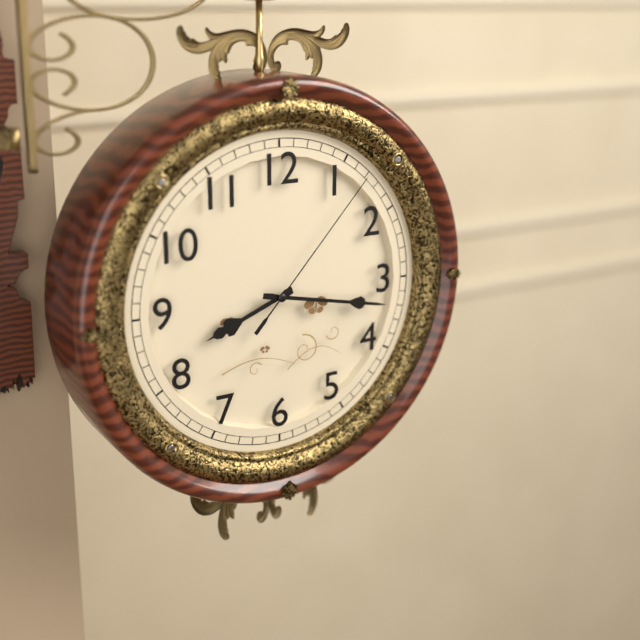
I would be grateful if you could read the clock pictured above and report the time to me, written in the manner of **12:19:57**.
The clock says **8:17:07**
